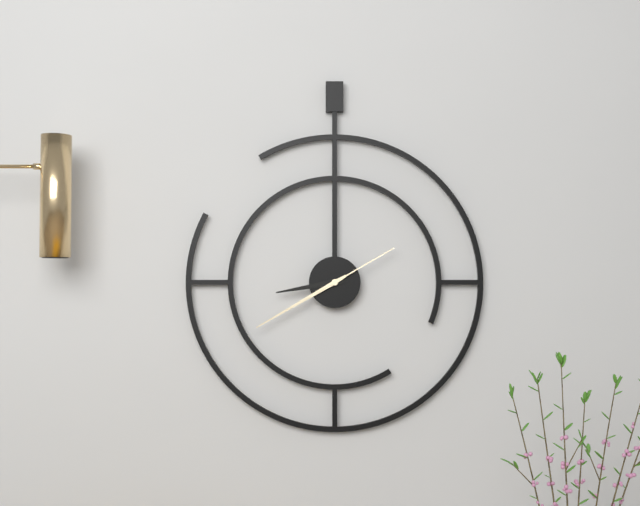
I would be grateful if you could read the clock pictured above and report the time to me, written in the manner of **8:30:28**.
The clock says **8:40:10**
